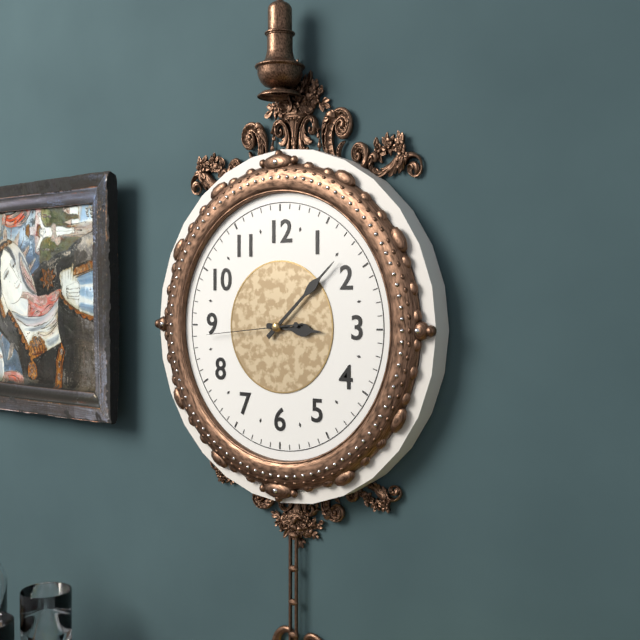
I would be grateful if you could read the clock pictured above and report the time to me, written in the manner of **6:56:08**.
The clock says **3:08:44**
